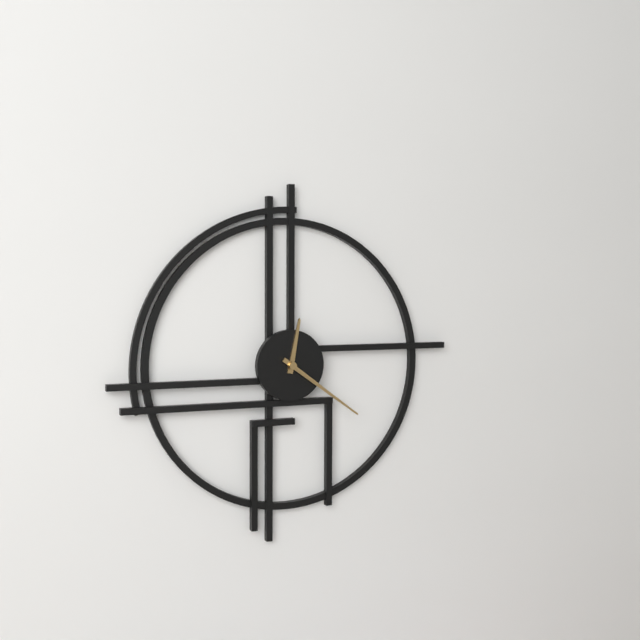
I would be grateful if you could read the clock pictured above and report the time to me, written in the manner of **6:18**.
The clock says **12:21**
